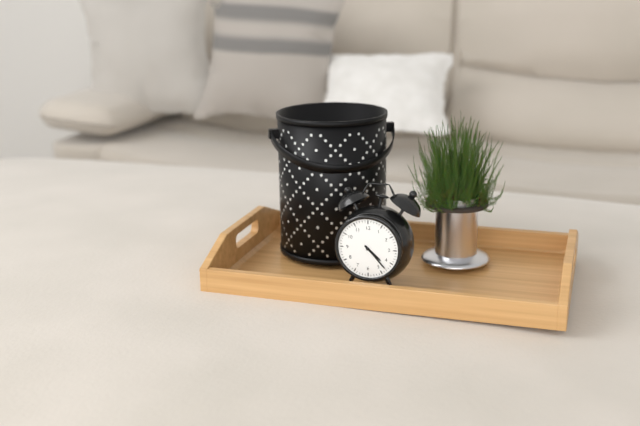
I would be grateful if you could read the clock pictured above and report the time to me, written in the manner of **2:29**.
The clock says **4:23**
